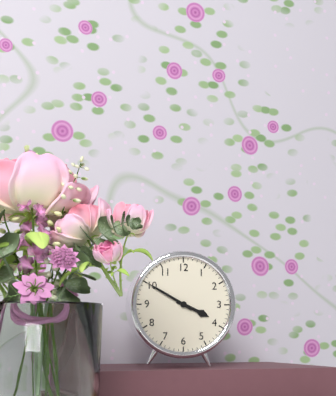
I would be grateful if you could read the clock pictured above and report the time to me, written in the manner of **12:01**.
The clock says **3:50**
